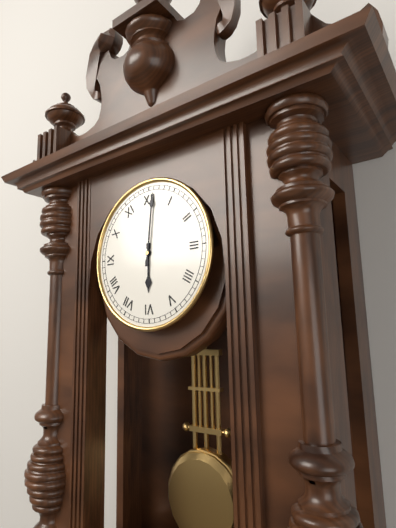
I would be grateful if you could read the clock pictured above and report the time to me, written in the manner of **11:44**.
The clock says **6:01**
